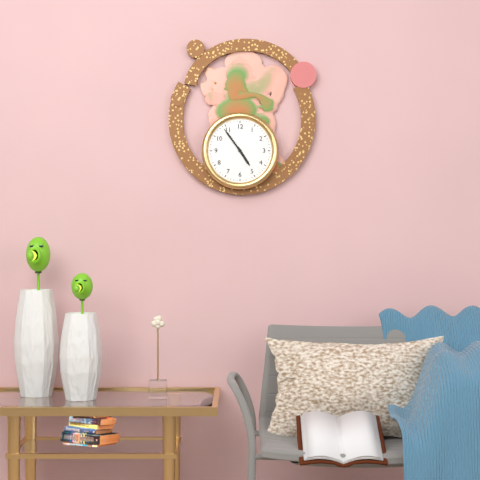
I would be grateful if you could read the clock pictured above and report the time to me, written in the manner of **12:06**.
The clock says **4:54**
